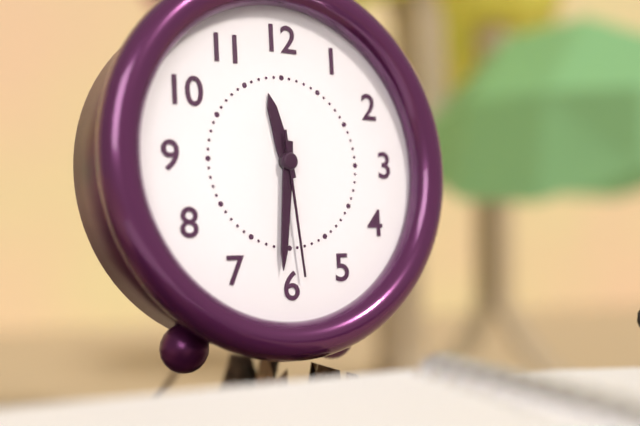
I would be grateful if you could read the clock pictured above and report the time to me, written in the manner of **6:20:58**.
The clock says **11:31:29**
